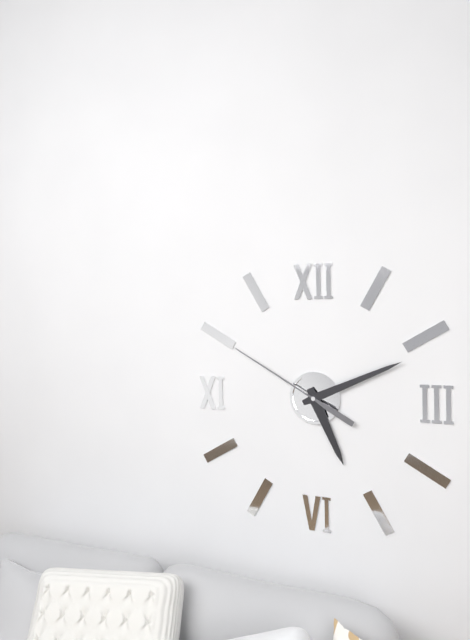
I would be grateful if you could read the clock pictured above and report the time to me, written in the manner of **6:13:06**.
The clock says **5:11:50**
